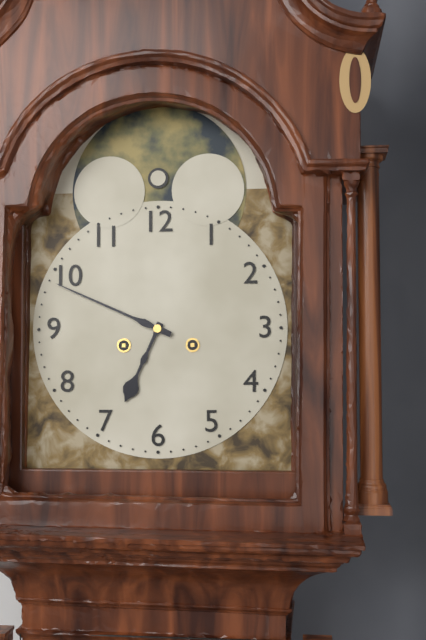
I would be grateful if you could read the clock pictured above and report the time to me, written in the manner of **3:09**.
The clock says **6:49**
